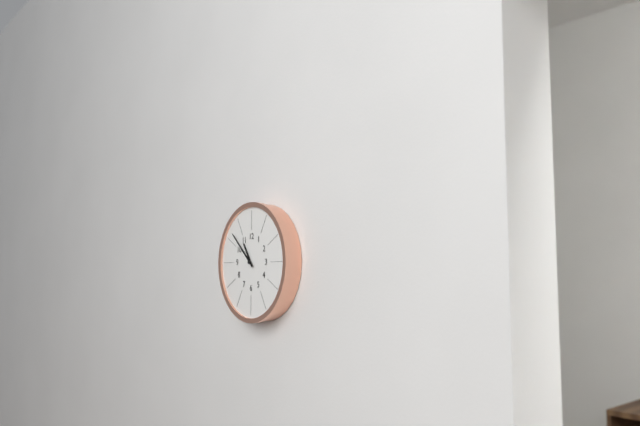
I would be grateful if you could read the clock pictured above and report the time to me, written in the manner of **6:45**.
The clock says **10:52**
